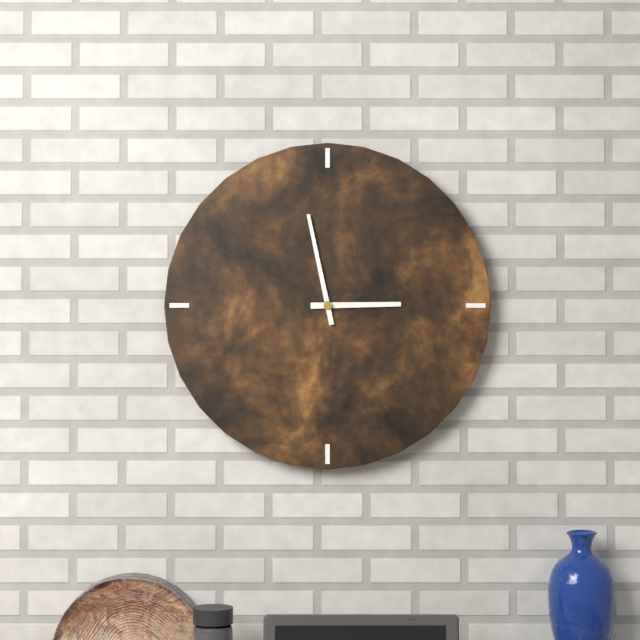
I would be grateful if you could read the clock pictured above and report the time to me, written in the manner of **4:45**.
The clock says **2:58**
